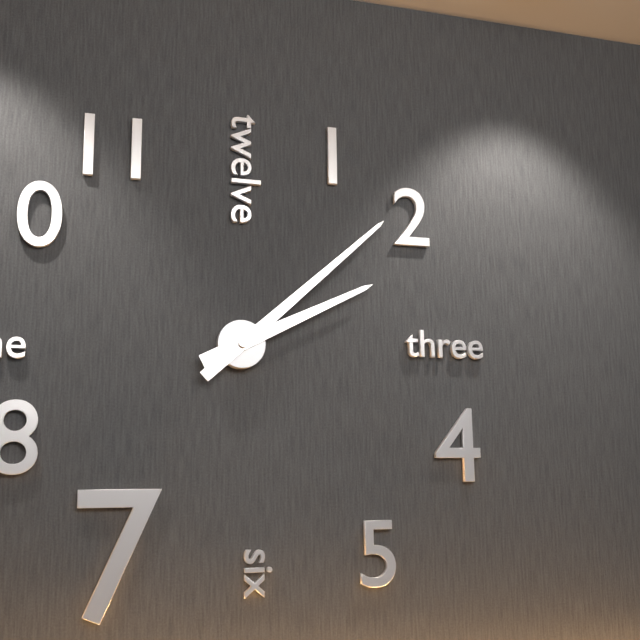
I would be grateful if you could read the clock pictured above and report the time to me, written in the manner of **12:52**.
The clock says **2:08**
